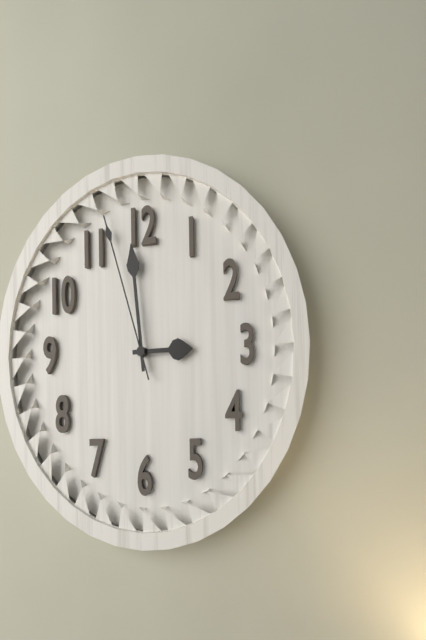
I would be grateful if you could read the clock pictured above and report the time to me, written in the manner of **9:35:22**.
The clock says **2:59:57**
